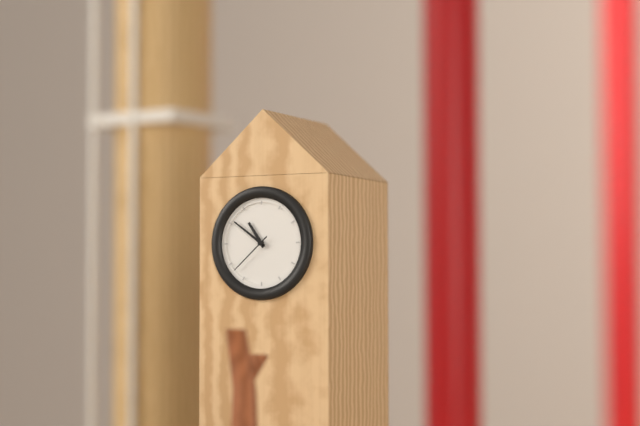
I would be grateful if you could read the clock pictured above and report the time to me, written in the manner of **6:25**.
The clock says **10:51**
